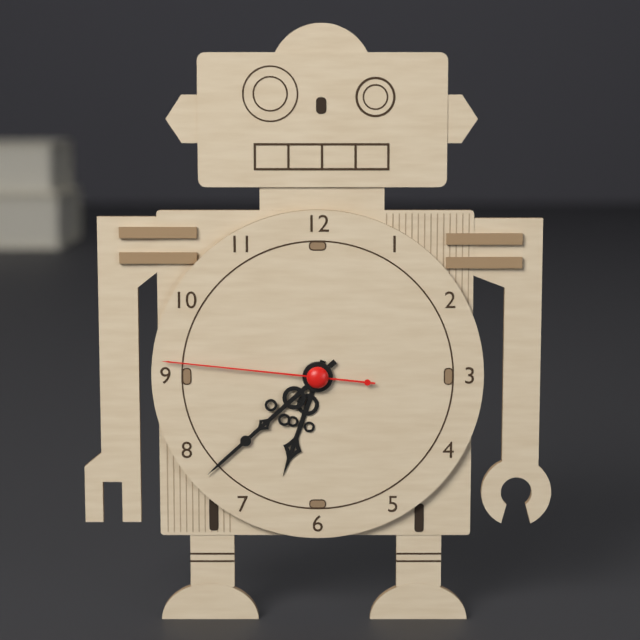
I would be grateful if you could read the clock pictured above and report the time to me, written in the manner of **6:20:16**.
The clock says **6:38:46**
